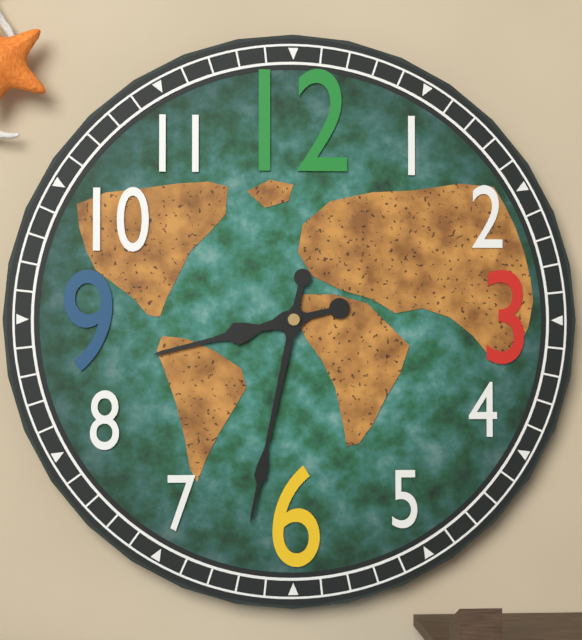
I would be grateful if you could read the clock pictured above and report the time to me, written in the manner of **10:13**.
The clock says **8:32**
